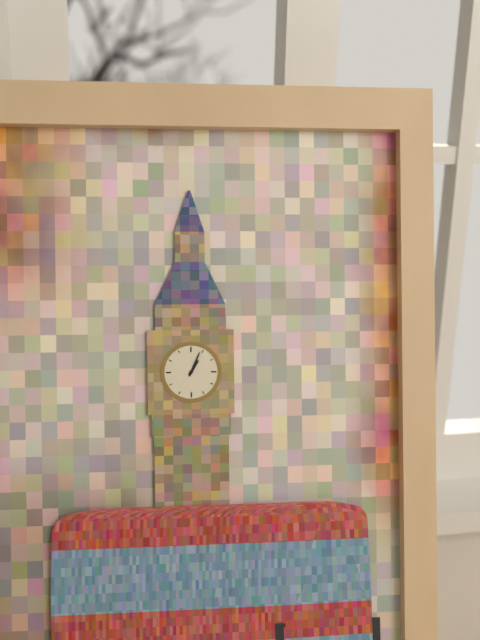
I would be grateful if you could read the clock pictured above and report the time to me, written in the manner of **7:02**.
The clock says **1:04**
